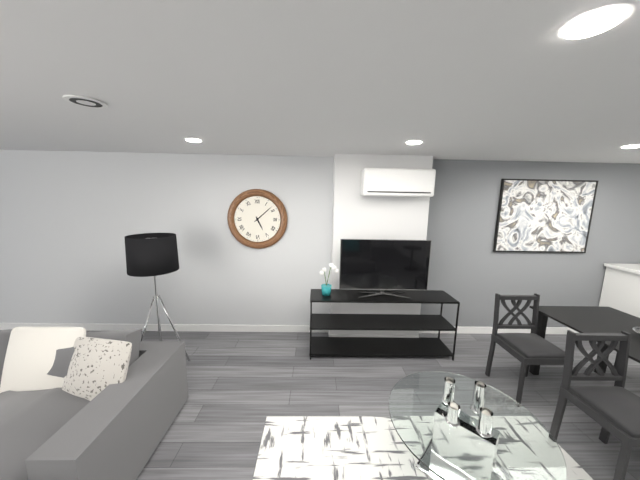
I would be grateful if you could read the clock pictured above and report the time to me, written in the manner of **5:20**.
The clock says **5:08**
